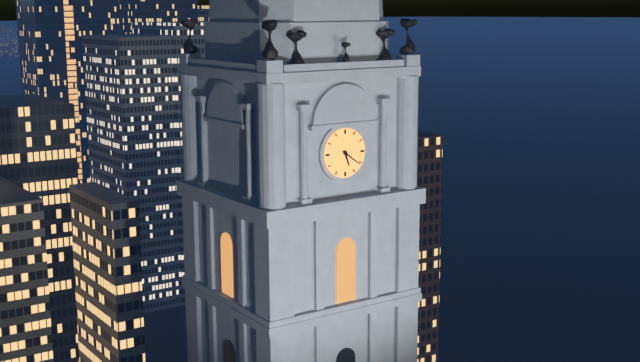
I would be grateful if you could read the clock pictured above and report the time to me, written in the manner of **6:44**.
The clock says **5:21**
